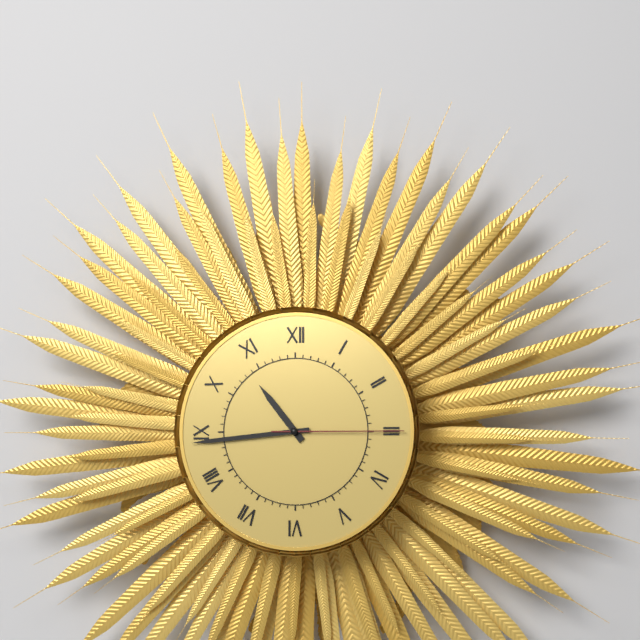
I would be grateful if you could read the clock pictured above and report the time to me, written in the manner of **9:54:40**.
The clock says **10:44:15**
